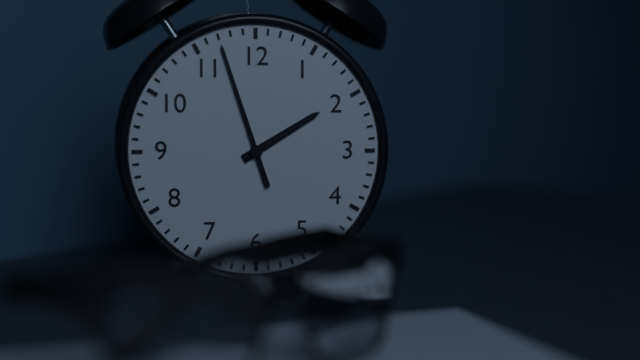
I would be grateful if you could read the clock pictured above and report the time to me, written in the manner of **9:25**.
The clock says **1:57**
